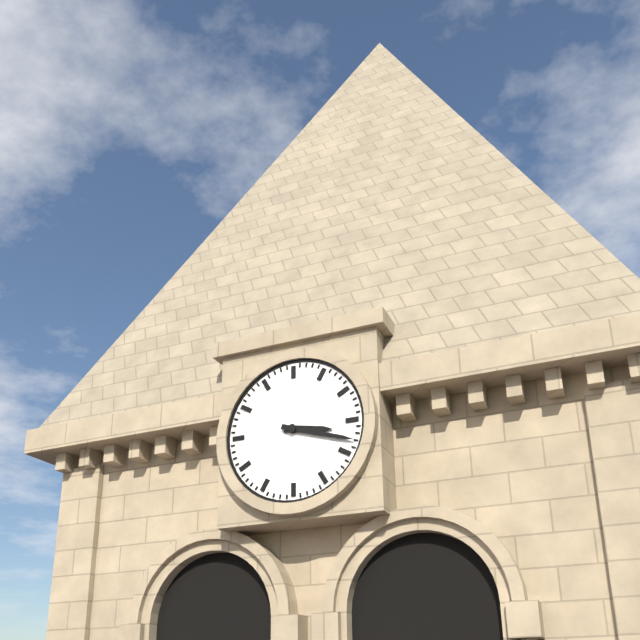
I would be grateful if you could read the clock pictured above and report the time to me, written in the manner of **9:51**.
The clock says **3:18**
